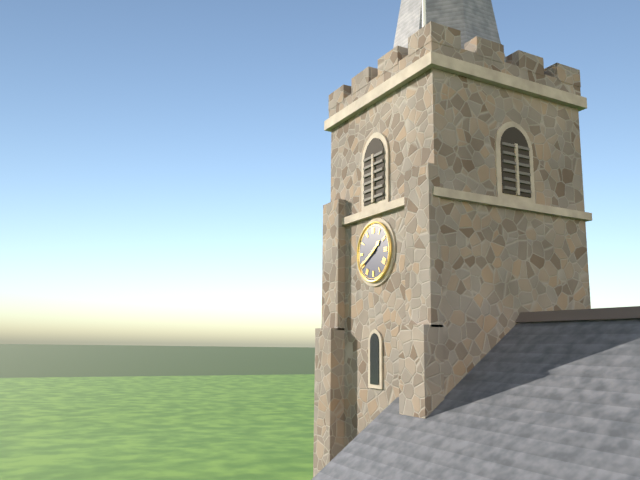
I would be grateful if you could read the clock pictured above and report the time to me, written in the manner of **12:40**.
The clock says **1:40**
